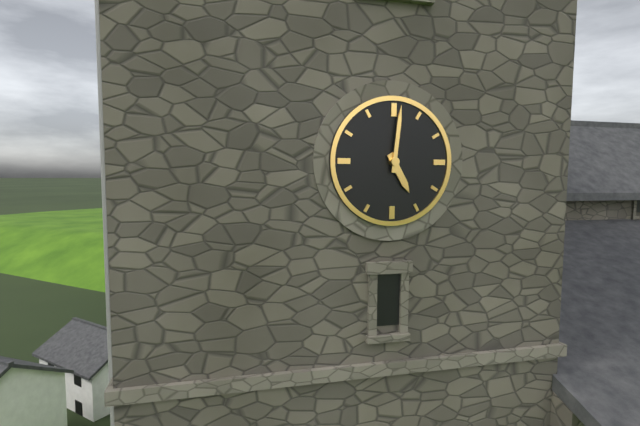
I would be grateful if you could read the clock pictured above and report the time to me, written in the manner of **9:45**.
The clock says **5:01**
